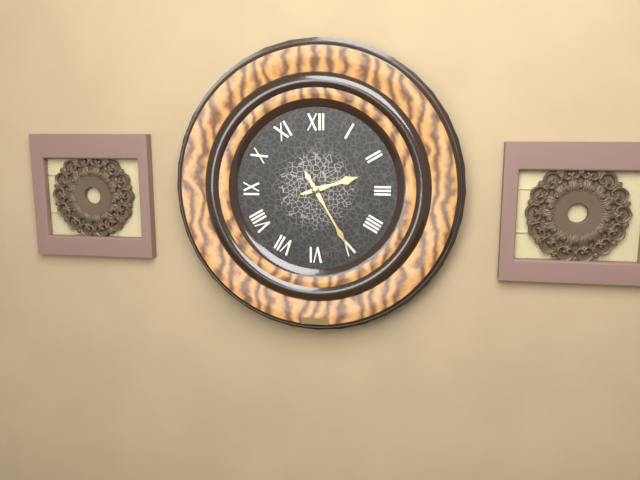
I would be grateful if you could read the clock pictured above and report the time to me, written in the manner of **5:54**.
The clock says **2:25**
